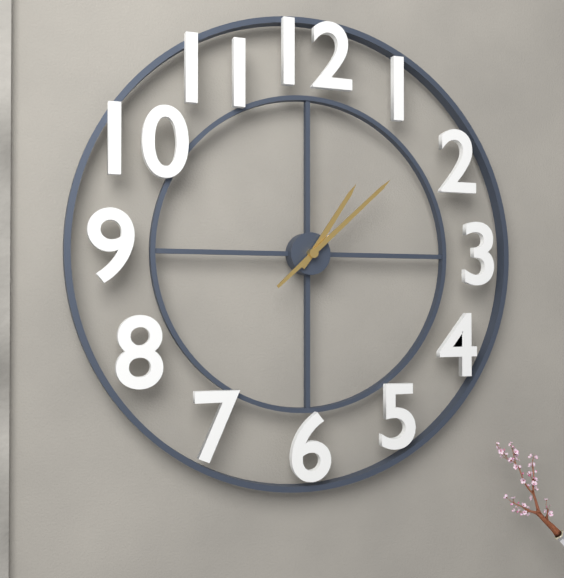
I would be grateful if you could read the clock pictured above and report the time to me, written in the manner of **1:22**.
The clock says **1:08**
